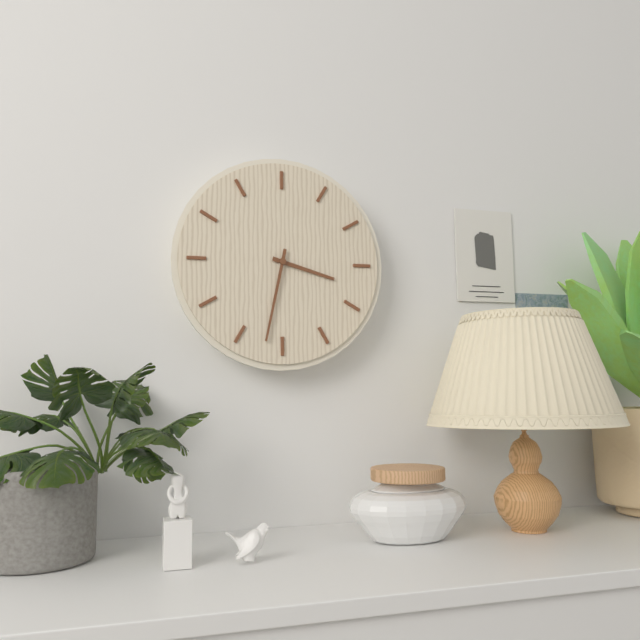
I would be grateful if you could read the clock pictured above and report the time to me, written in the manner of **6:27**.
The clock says **3:32**
